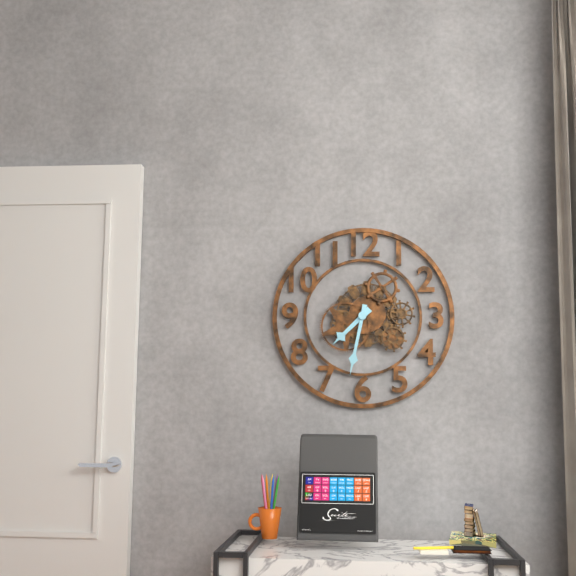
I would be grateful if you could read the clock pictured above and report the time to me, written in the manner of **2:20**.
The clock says **7:32**
